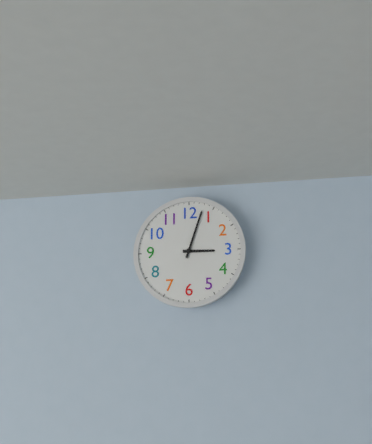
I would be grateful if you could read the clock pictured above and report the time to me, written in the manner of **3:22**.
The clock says **3:03**
